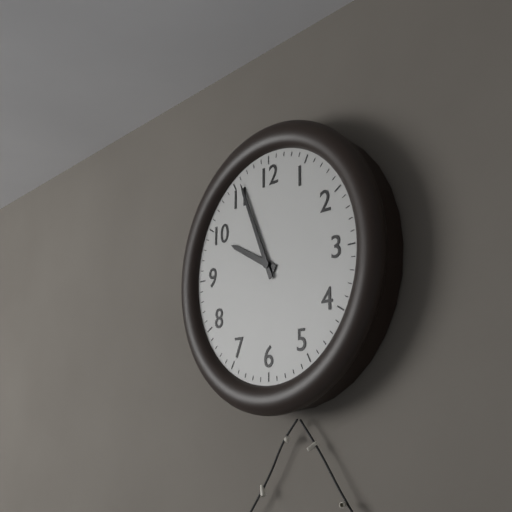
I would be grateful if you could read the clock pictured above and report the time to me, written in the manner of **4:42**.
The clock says **9:56**
